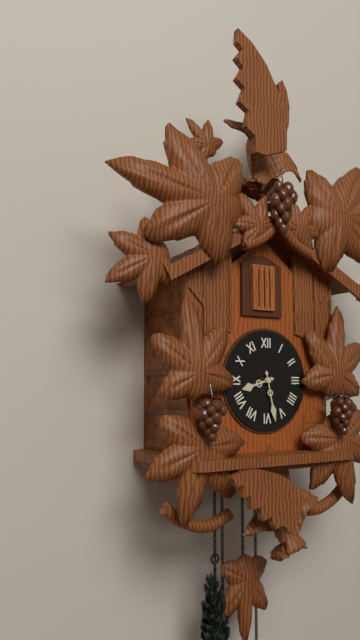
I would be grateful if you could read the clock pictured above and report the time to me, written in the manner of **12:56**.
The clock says **8:28**
